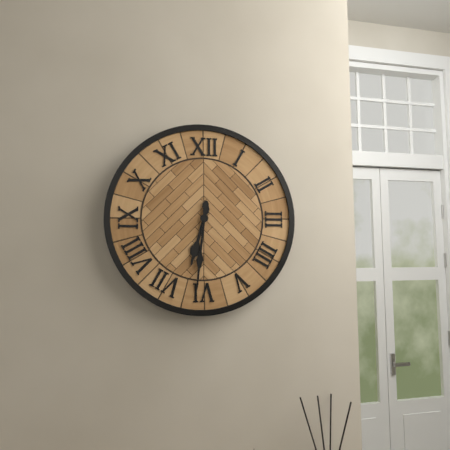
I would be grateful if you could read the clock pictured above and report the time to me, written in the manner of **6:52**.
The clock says **6:31**
